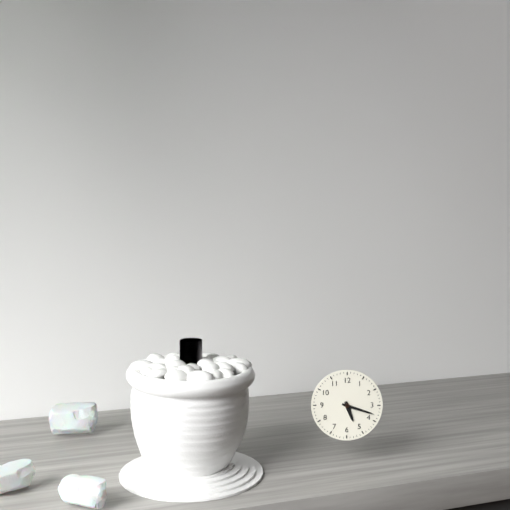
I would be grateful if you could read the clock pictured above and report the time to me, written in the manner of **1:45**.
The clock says **5:18**
